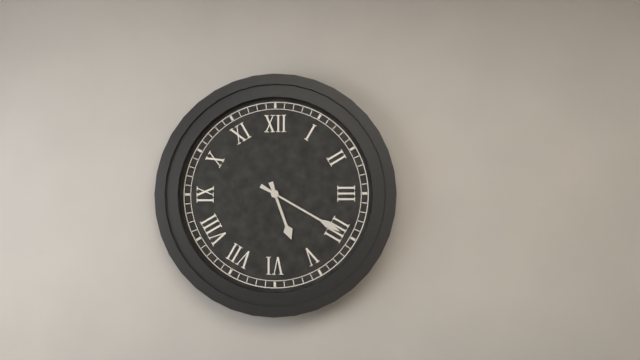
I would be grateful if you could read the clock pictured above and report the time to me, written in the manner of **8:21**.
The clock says **5:20**
